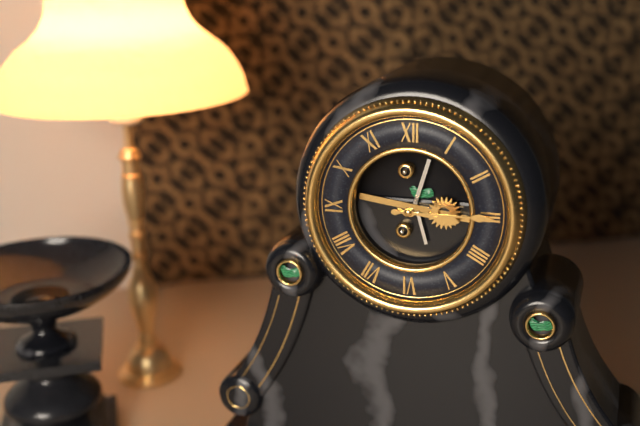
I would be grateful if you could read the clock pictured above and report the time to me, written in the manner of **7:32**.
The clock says **3:15**
